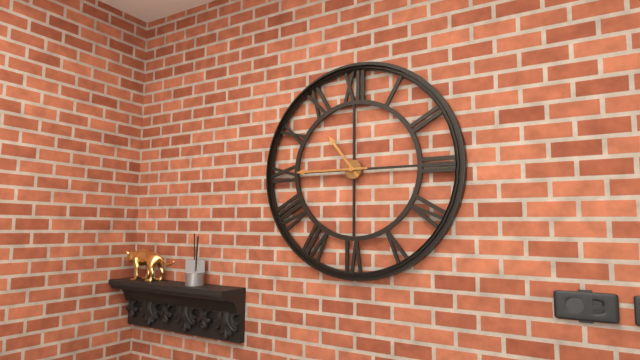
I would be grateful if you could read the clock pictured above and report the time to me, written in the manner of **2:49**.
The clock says **10:45**
